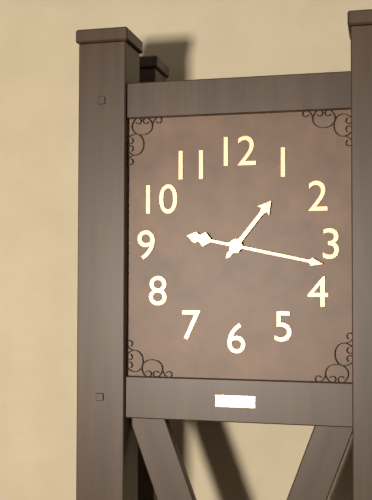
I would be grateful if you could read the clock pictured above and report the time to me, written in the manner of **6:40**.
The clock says **1:17**
